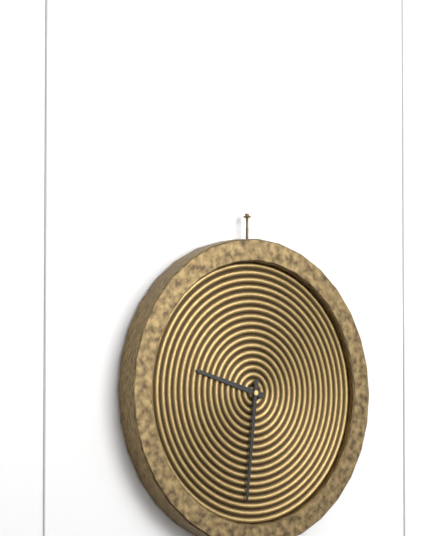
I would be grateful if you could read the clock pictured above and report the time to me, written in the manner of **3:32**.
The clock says **9:31**
